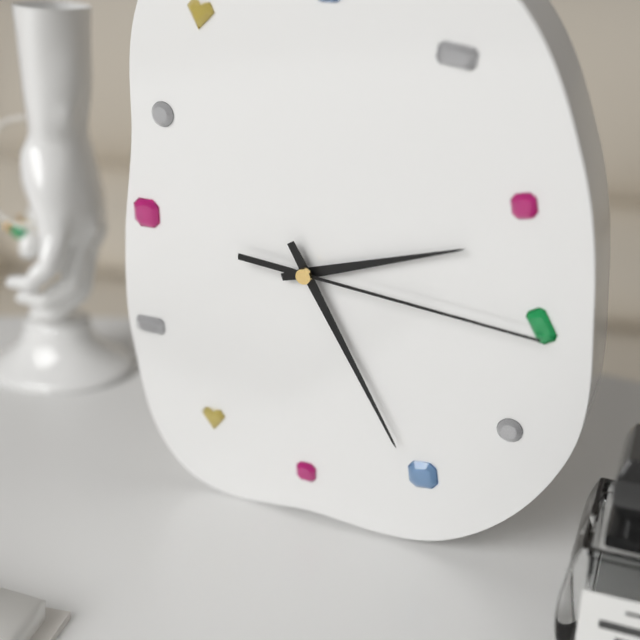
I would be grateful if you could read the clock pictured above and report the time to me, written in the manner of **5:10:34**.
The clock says **2:25:16**
